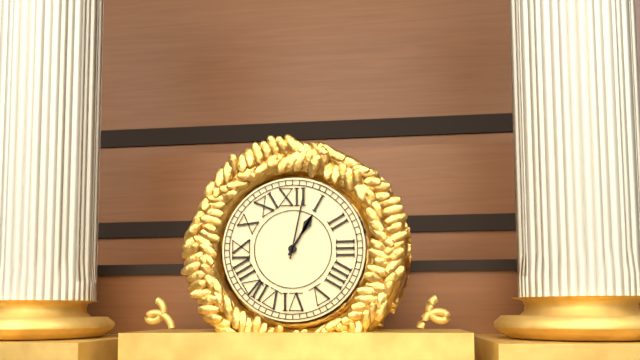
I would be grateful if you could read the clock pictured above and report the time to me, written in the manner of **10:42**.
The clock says **1:02**
